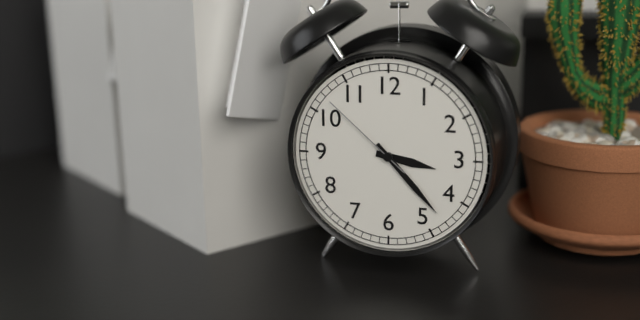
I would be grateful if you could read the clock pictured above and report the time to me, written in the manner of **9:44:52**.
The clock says **3:23:52**
